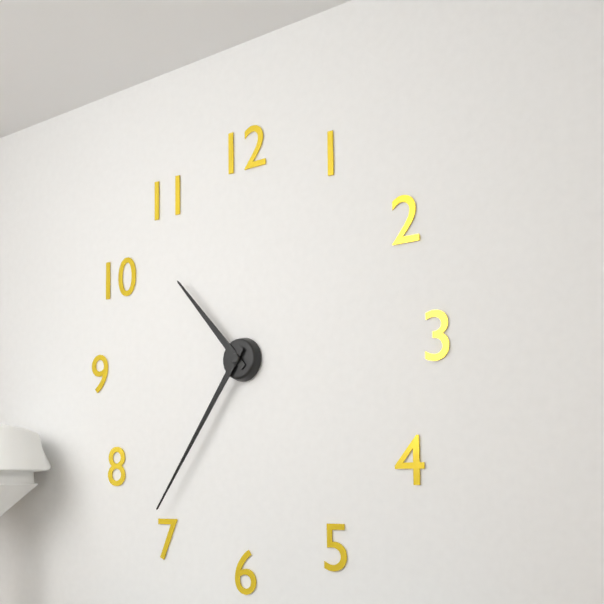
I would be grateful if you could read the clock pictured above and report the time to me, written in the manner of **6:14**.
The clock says **10:36**
